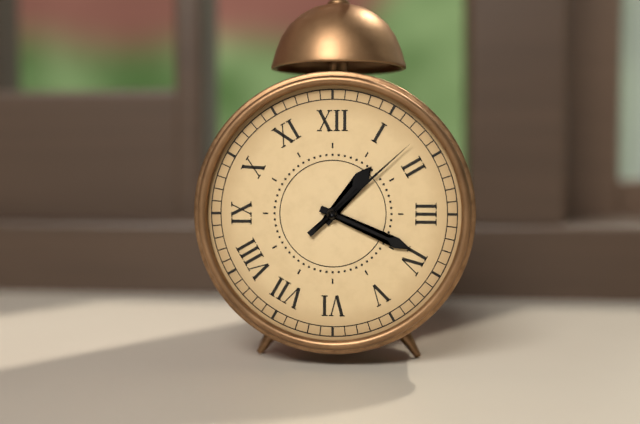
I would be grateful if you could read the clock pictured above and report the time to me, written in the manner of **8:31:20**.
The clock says **1:19:08**
